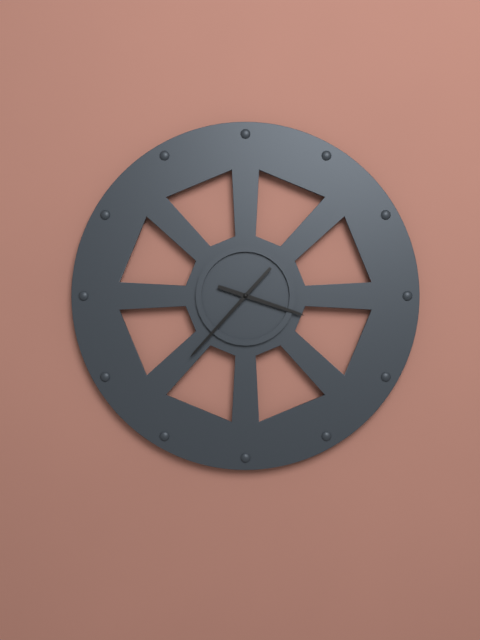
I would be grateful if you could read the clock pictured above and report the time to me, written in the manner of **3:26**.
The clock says **3:37**
